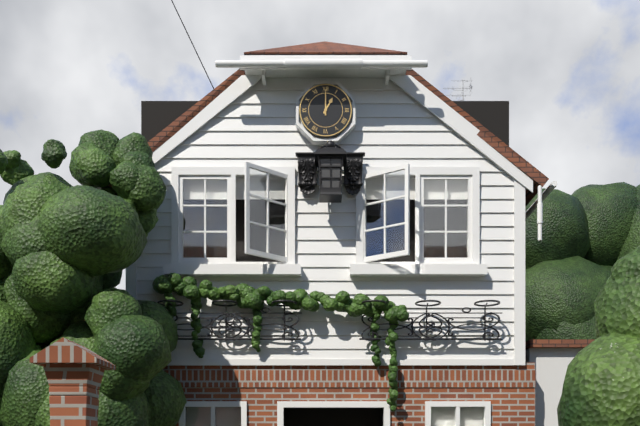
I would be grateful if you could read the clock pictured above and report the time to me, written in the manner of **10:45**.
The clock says **1:00**
